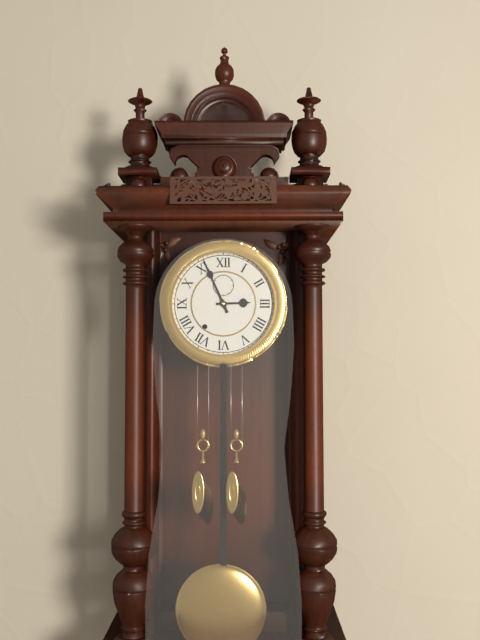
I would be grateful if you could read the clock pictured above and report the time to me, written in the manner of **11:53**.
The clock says **2:56**
